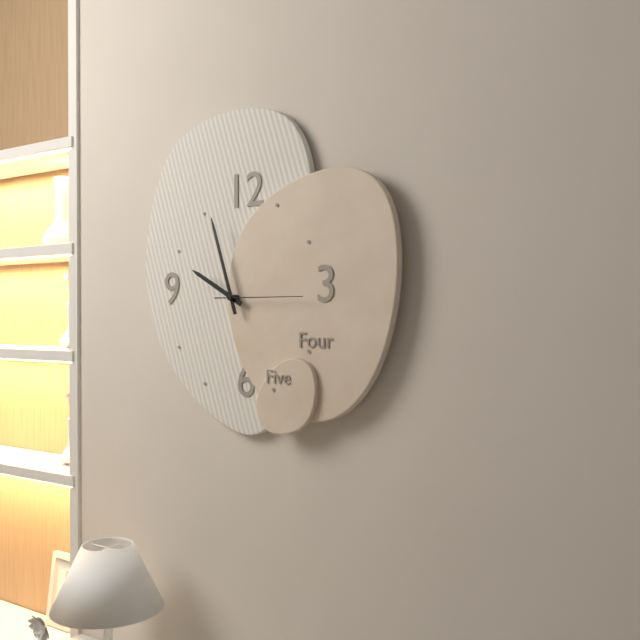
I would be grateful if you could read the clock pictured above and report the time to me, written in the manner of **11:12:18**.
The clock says **9:57:15**
